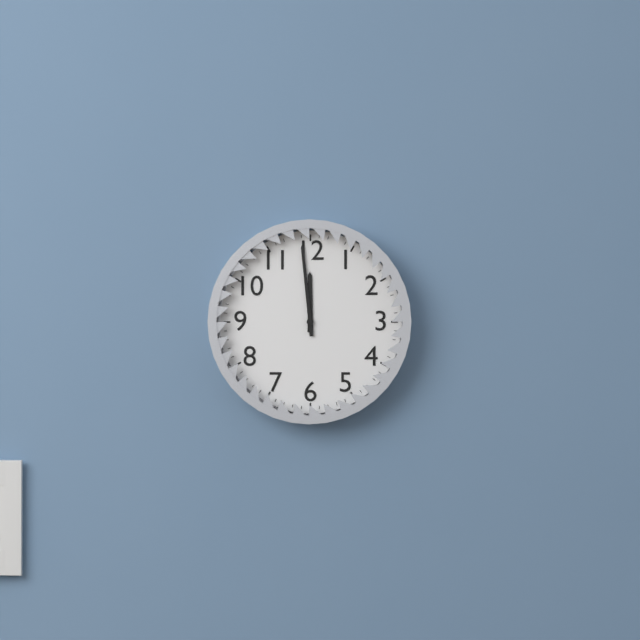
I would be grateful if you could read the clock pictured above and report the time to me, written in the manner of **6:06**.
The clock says **11:59**
